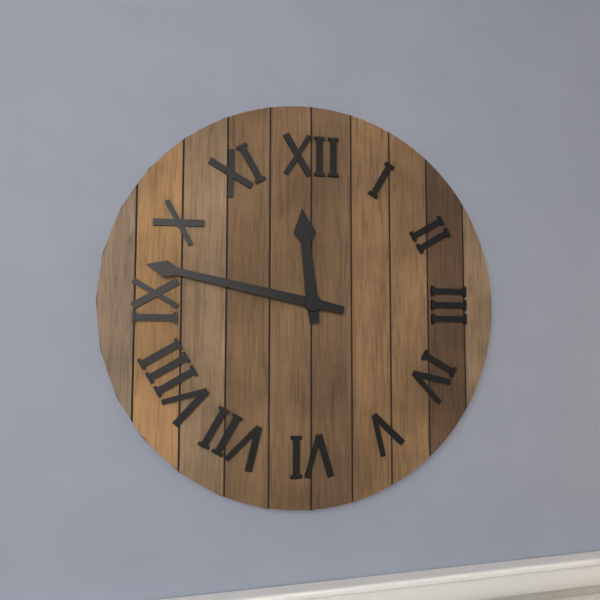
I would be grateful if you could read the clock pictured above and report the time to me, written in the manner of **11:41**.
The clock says **11:47**
